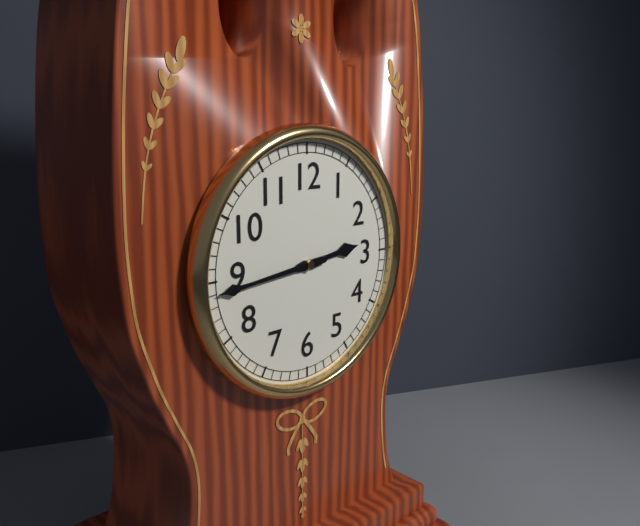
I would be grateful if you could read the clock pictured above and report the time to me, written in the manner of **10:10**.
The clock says **2:44**
